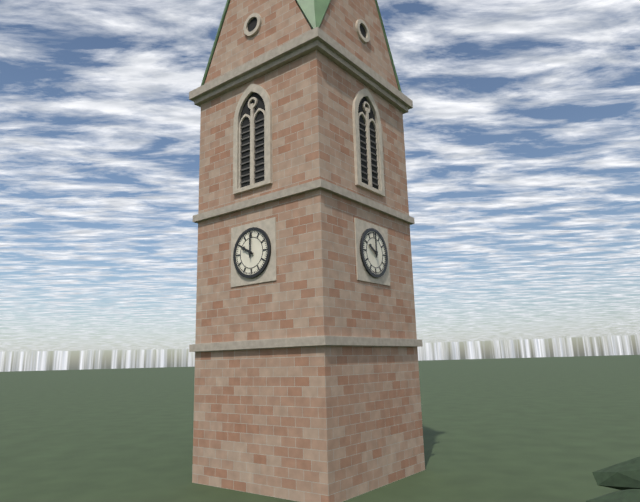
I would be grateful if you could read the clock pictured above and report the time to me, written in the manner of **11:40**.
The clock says **10:00**
